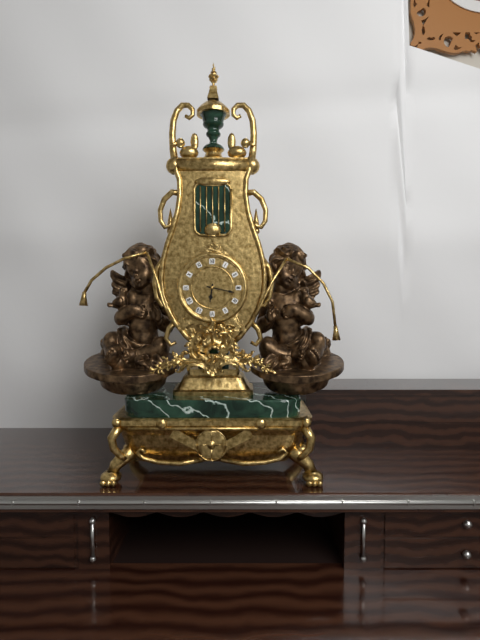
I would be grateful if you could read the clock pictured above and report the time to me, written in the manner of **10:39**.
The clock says **6:17**
